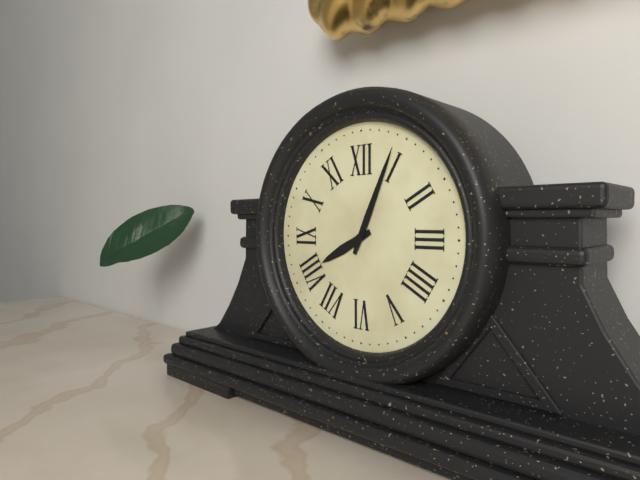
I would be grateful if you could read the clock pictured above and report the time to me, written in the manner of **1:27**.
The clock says **8:04**
